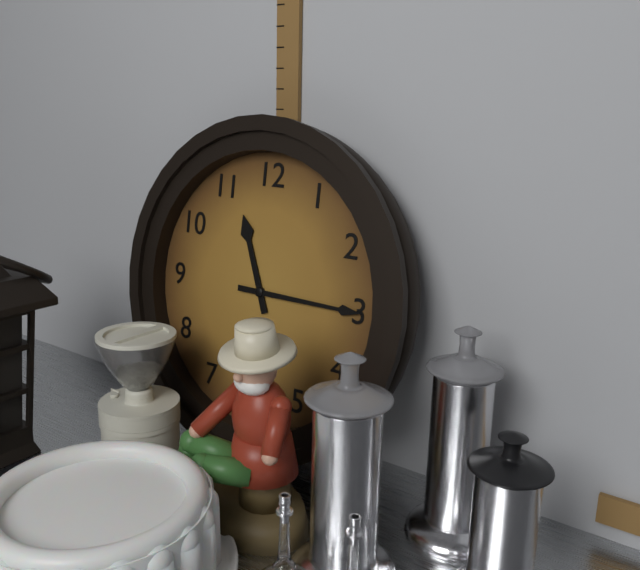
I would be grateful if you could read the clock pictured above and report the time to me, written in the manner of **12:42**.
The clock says **11:15**
